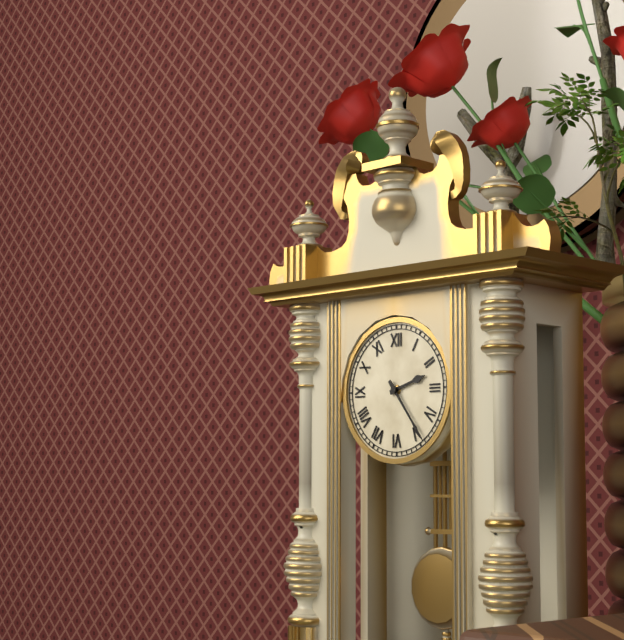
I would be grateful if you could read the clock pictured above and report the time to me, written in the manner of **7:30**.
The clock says **2:24**
